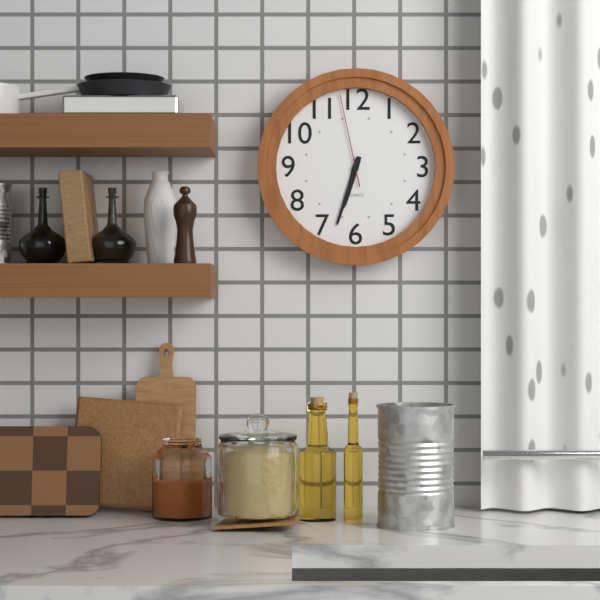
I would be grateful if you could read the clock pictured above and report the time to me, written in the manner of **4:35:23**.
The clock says **6:33:58**
